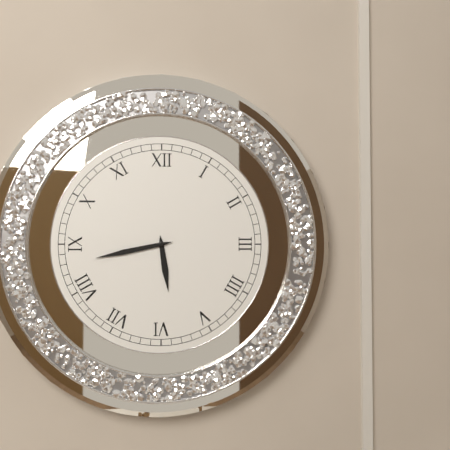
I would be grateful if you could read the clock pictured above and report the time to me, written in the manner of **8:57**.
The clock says **5:43**
